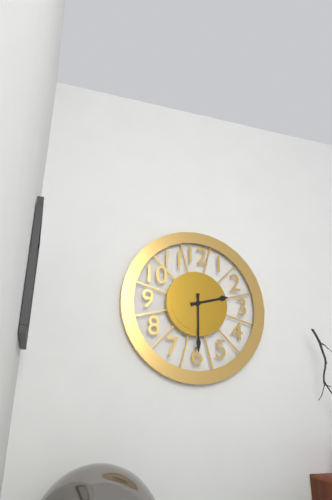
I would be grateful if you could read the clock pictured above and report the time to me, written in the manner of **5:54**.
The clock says **2:30**
